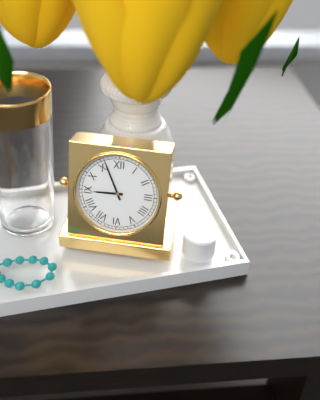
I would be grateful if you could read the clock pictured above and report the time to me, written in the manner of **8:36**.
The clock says **8:56**
